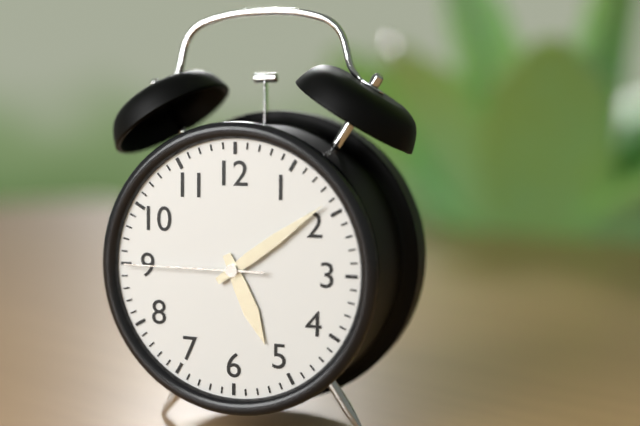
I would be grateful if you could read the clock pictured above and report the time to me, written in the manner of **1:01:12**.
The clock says **5:09:45**
